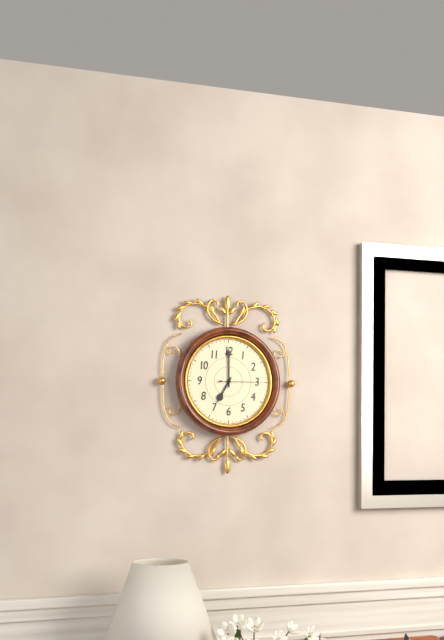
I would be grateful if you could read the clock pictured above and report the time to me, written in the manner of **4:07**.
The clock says **7:00**
